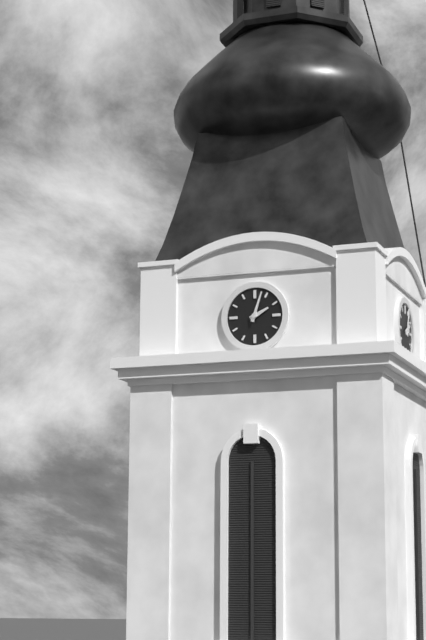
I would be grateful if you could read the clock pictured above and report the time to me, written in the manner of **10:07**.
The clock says **2:03**
